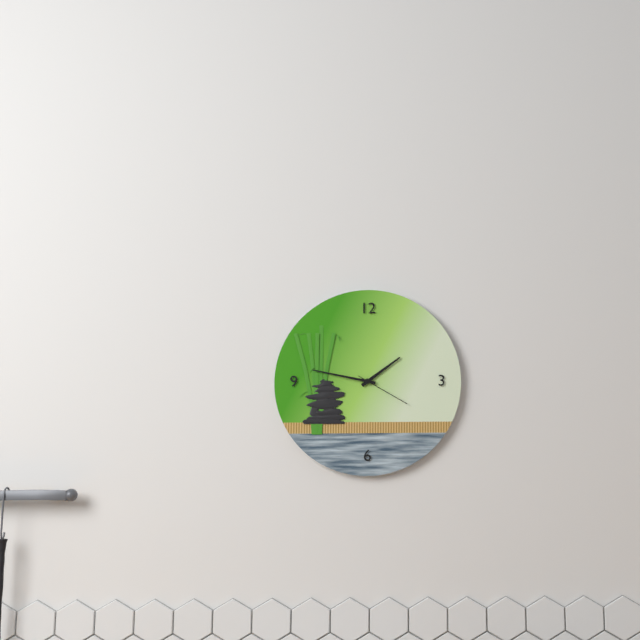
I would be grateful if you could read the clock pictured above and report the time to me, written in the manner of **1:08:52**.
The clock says **1:47:20**
